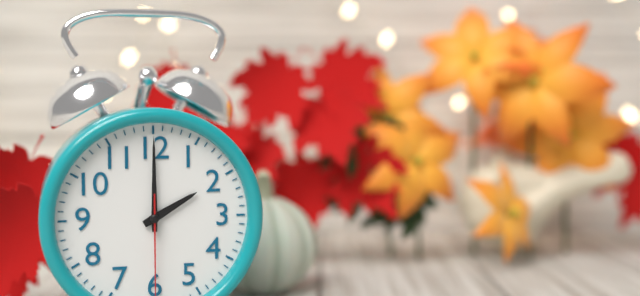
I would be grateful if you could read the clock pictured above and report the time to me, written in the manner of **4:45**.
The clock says **2:00**
